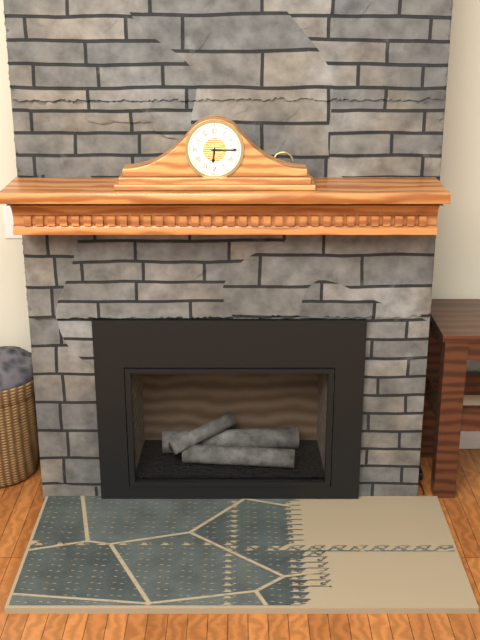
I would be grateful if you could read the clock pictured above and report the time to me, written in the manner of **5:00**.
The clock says **6:15**
